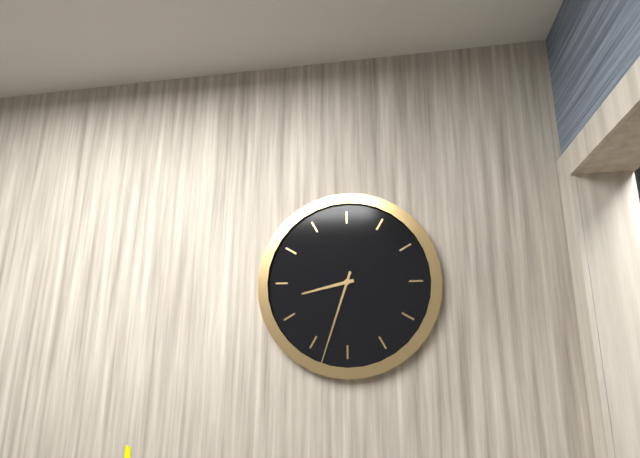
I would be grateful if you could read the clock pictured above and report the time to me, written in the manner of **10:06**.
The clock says **8:33**
